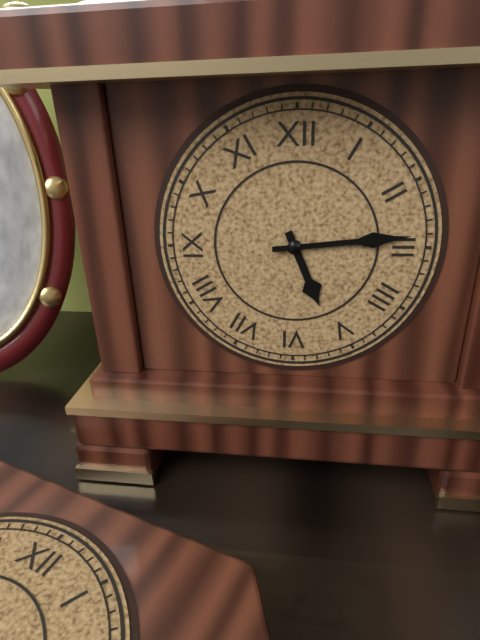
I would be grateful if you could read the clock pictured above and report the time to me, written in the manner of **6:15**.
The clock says **5:14**
